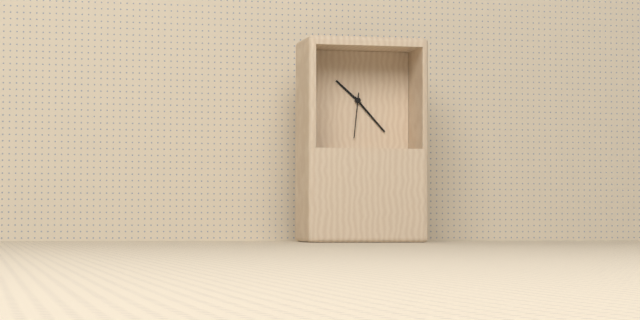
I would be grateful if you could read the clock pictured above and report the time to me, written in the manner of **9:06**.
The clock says **10:23**
